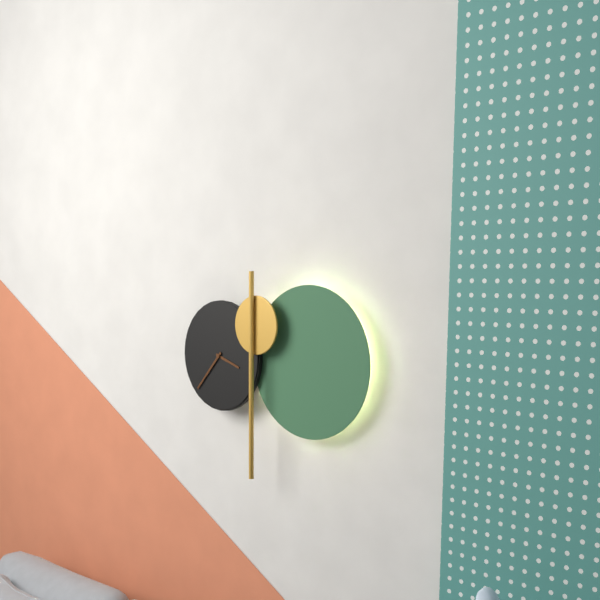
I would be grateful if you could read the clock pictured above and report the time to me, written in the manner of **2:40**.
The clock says **3:37**
